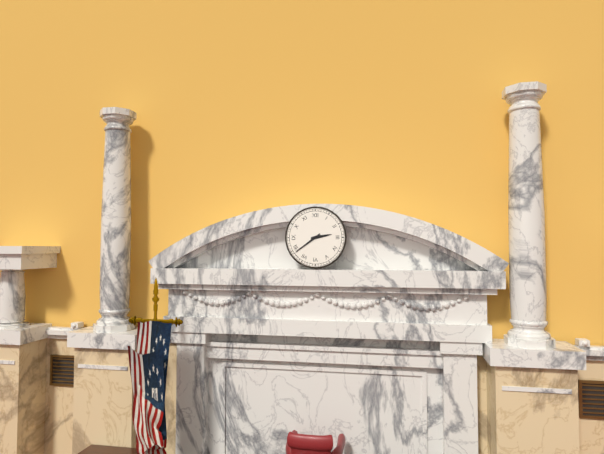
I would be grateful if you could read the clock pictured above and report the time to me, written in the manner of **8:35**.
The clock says **2:39**
